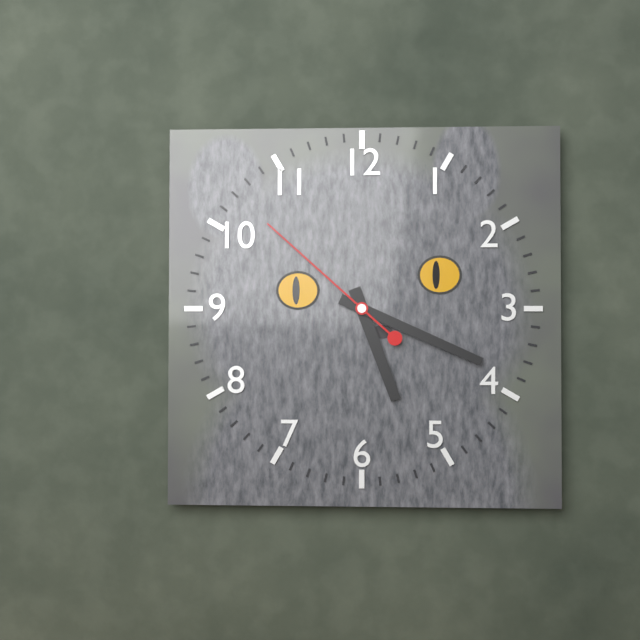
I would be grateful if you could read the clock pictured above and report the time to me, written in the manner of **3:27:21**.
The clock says **5:19:52**
